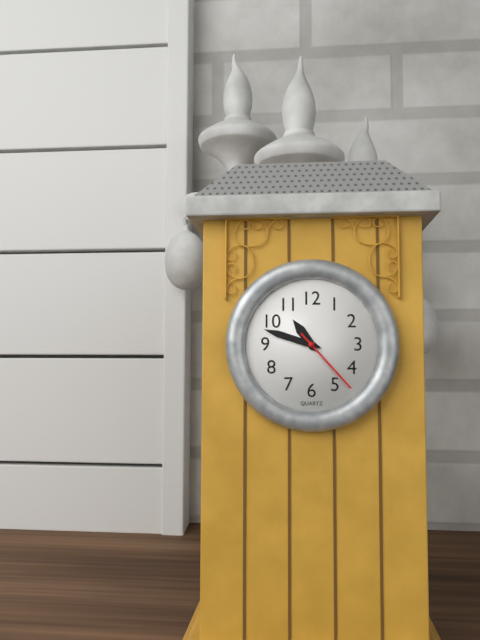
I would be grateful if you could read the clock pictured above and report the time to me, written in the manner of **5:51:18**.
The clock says **10:48:23**
